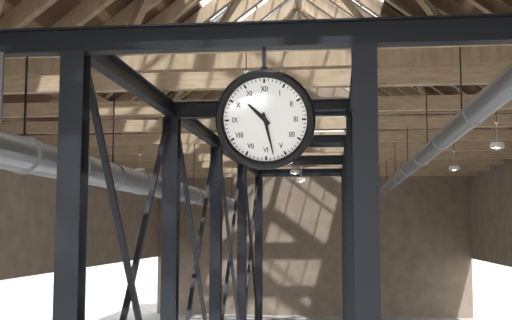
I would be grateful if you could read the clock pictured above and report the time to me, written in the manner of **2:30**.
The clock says **10:28**
